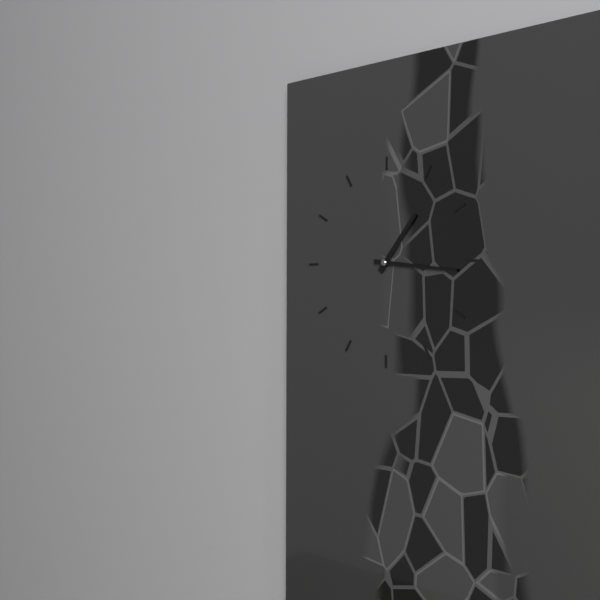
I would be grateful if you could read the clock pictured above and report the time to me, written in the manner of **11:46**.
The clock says **1:16**
